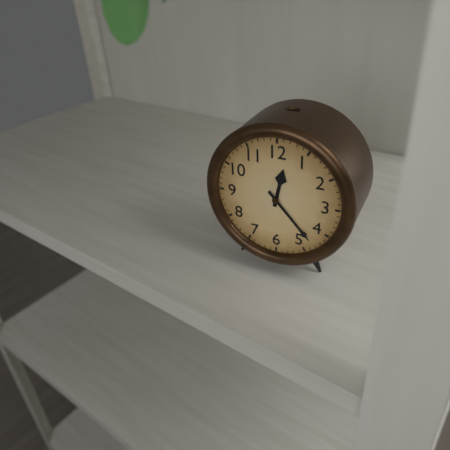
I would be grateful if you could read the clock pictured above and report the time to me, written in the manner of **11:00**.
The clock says **12:23**
